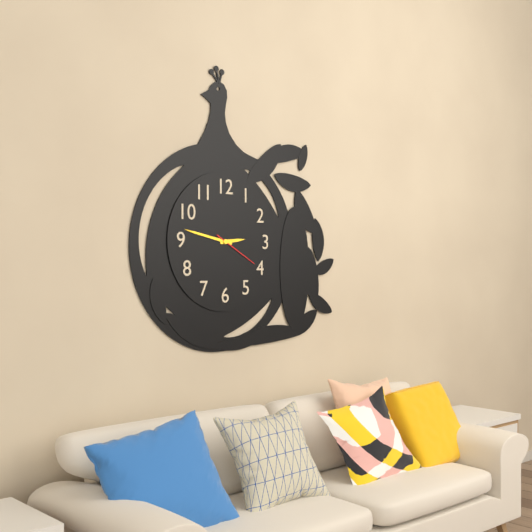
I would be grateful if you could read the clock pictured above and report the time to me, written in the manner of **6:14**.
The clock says **2:47**
